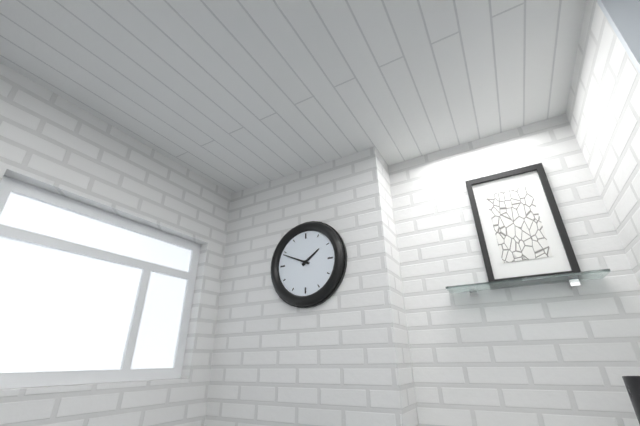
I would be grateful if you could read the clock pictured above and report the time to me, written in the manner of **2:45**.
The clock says **1:49**
